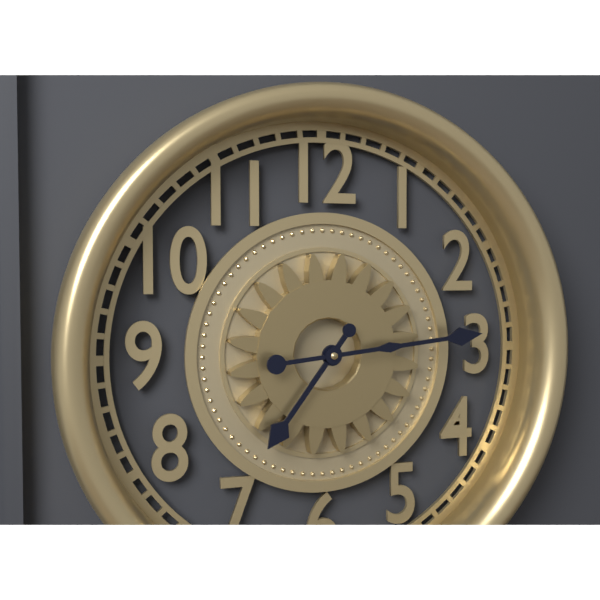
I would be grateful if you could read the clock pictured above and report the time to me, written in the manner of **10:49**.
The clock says **7:14**
